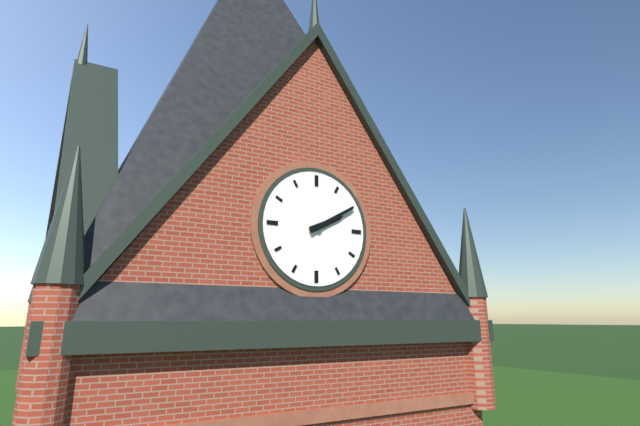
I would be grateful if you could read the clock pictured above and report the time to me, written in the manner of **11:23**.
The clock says **2:10**
